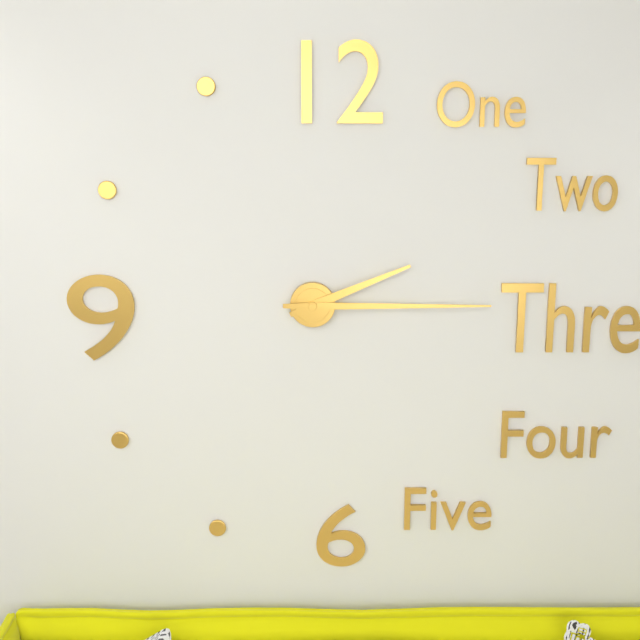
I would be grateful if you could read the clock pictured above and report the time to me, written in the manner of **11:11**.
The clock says **2:15**
